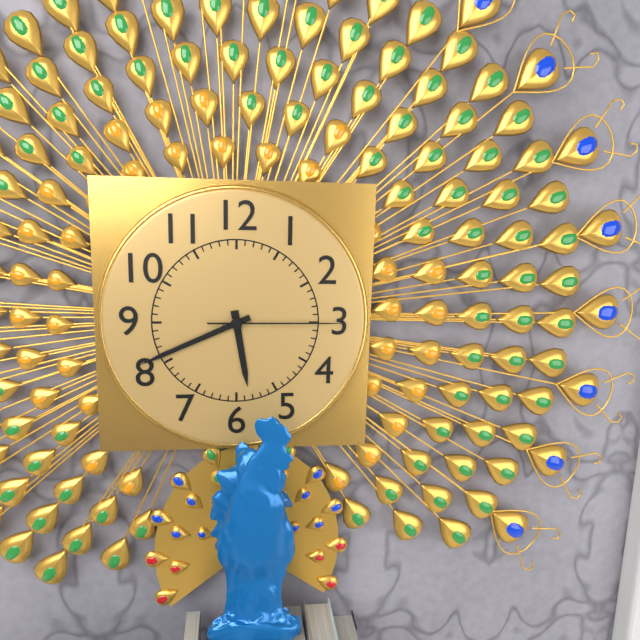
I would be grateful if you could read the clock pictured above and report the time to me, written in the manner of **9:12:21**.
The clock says **5:41:15**
